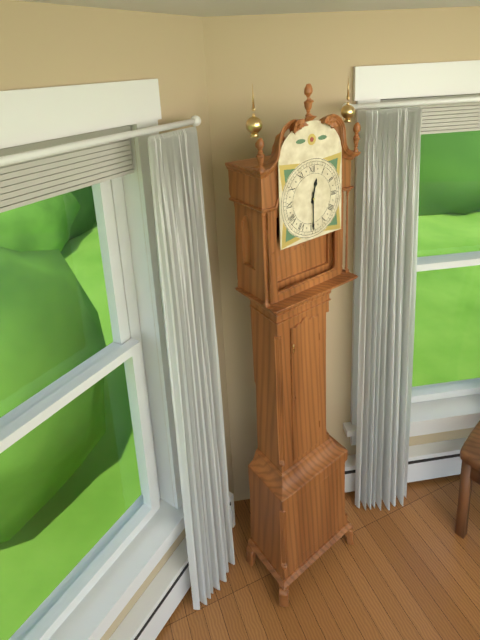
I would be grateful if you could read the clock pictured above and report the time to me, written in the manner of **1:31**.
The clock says **12:30**
